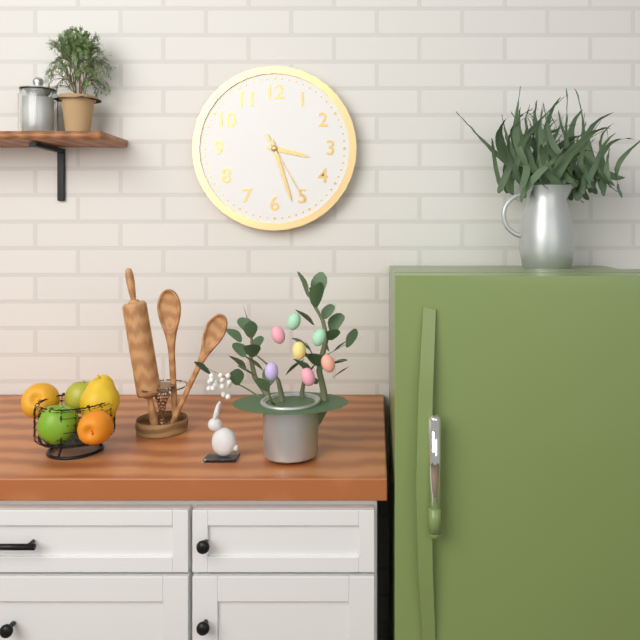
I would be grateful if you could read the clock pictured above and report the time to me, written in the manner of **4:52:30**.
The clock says **3:27:25**
